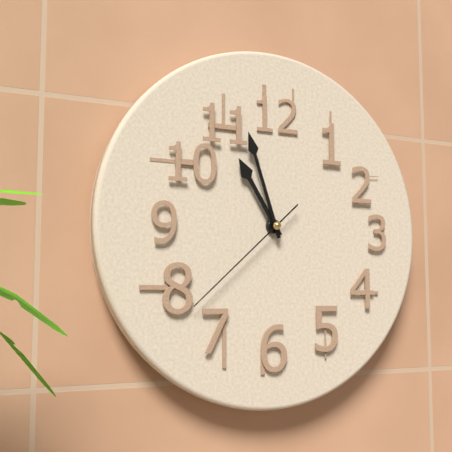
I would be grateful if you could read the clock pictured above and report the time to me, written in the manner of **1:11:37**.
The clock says **10:57:38**
